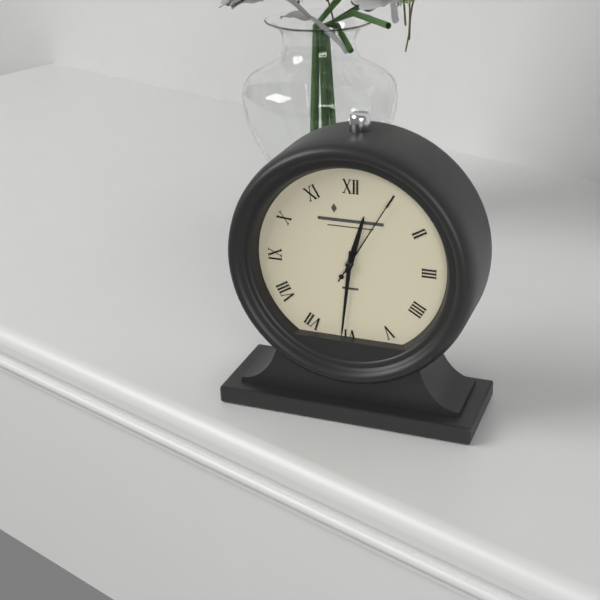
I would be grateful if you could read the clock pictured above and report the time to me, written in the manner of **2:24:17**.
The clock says **12:31:05**
